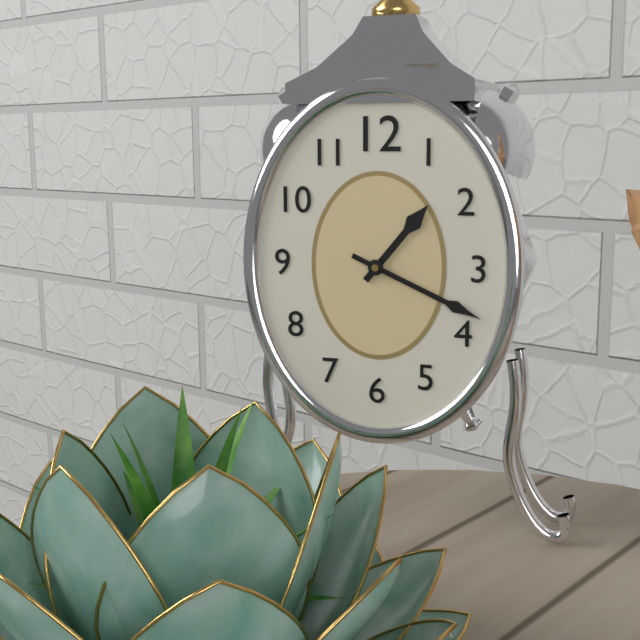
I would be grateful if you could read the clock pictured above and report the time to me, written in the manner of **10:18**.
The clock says **1:19**
